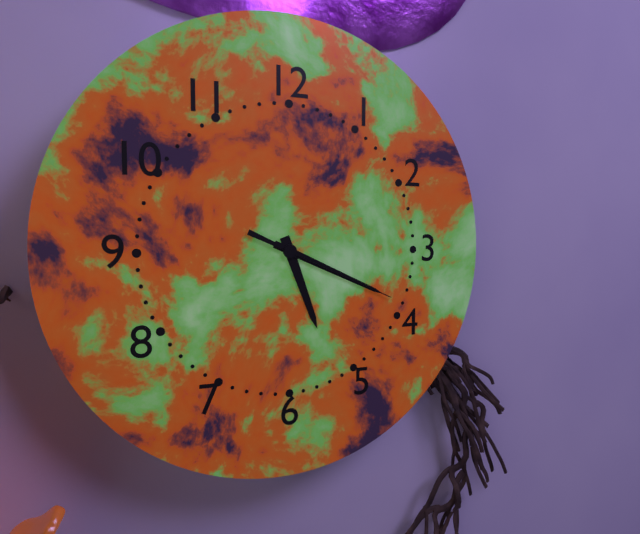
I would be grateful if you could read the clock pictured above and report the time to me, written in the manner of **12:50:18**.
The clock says **5:19:19**
